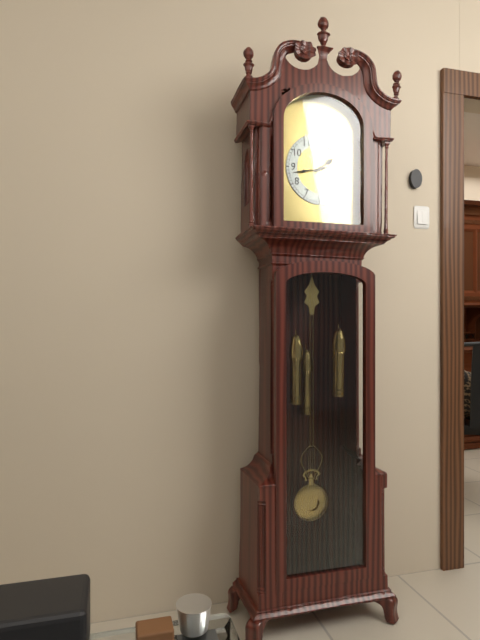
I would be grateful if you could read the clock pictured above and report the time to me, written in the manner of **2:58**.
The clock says **1:43**
